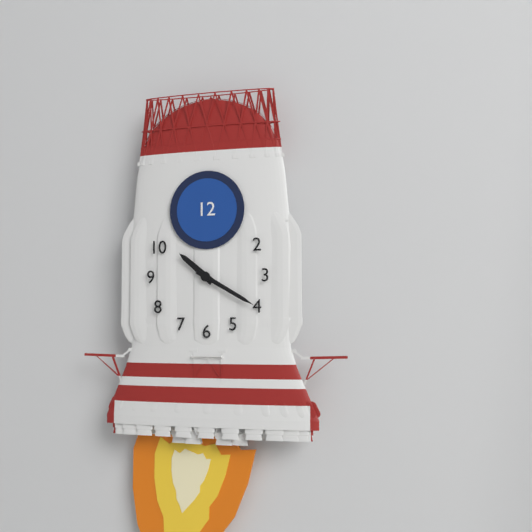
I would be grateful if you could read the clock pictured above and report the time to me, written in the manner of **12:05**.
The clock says **10:20**
